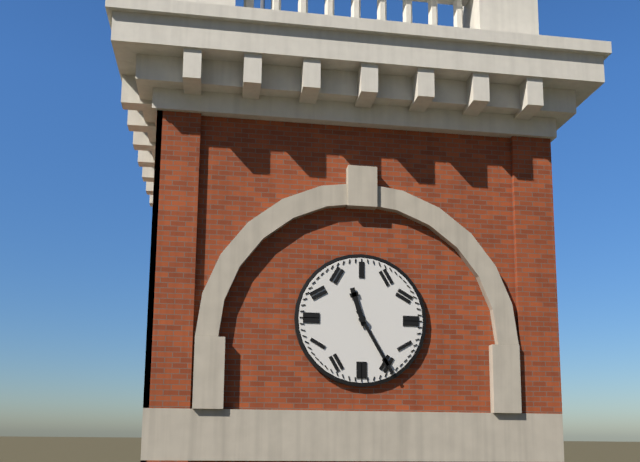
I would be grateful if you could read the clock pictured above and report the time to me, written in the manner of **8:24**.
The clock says **11:25**
